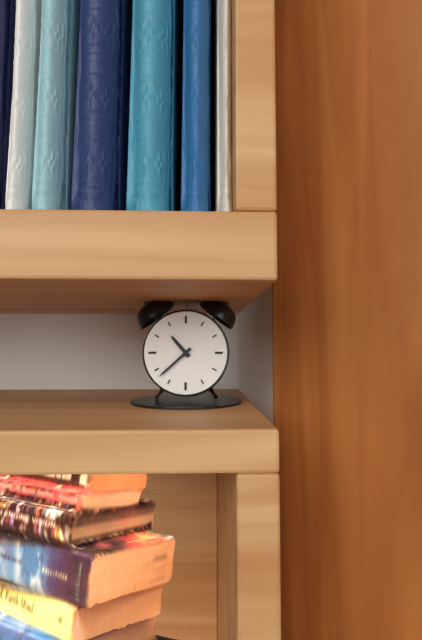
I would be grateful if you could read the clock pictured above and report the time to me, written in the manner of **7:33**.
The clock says **10:38**
